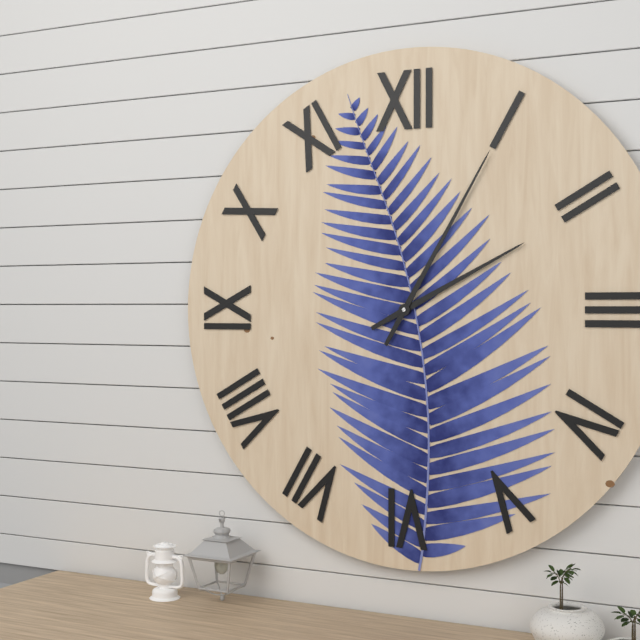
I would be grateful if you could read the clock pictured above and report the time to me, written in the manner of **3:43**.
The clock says **2:05**
